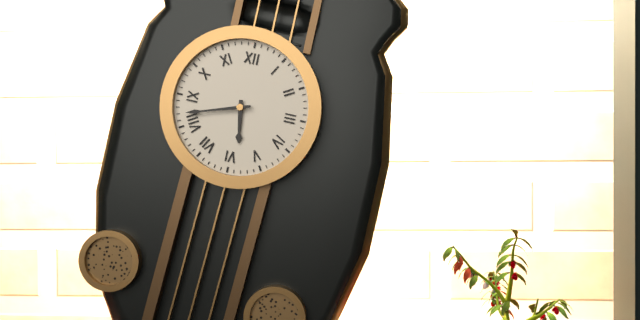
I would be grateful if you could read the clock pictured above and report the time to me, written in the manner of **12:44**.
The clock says **5:42**
